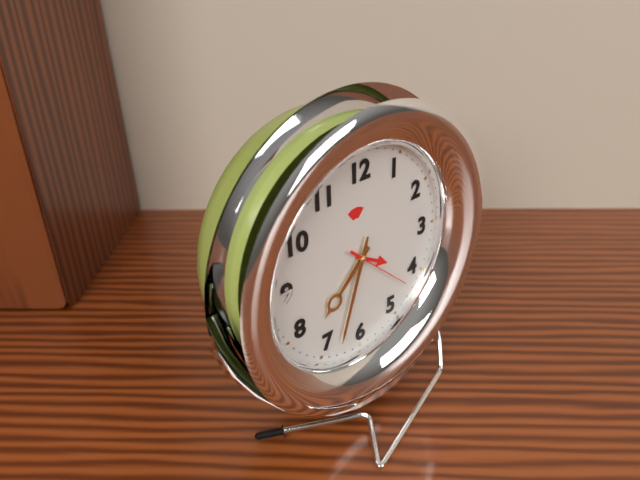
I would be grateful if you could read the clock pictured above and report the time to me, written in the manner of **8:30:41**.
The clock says **7:33:22**
